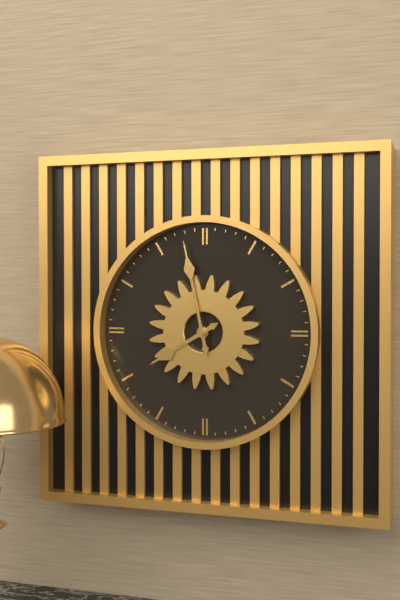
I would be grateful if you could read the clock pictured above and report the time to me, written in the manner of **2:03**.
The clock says **7:58**
